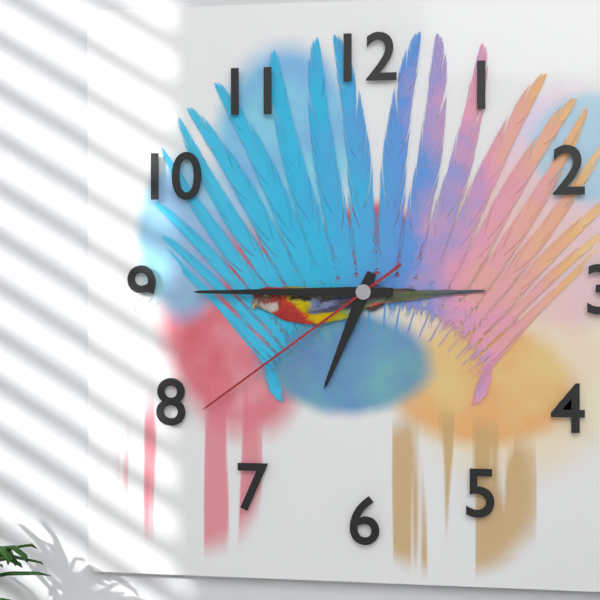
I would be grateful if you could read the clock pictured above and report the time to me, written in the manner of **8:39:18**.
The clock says **6:45:39**
